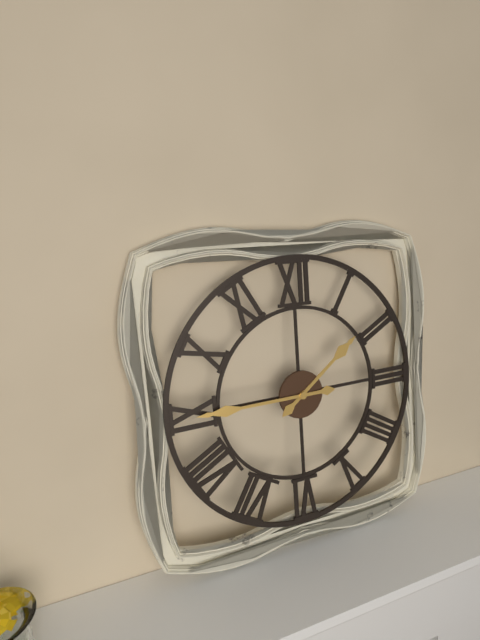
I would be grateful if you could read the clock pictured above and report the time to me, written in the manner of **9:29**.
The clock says **1:45**
